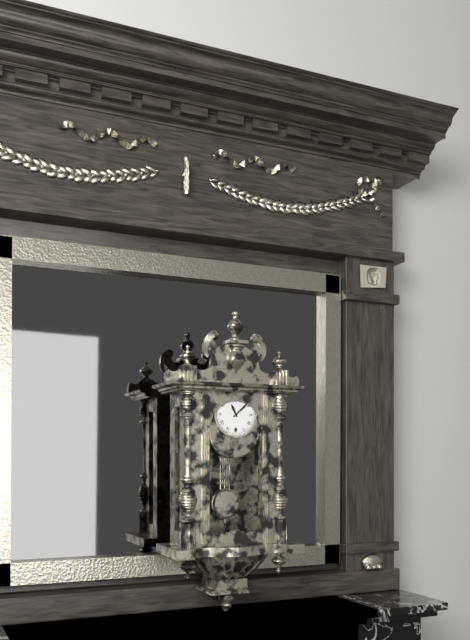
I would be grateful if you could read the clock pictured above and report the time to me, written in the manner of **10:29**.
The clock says **11:08**
